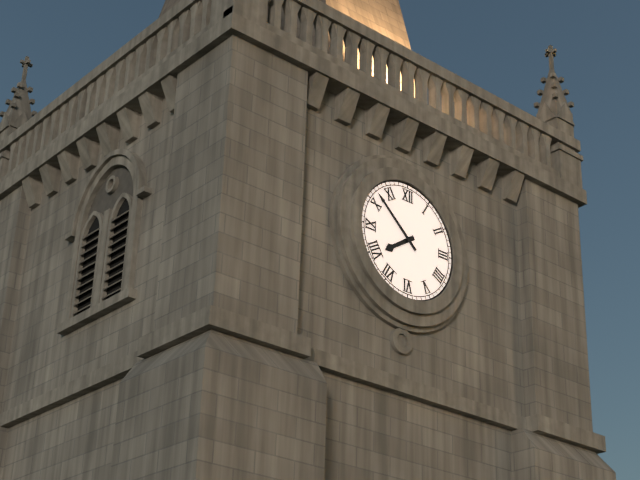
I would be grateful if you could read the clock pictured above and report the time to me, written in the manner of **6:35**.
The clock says **7:52**
